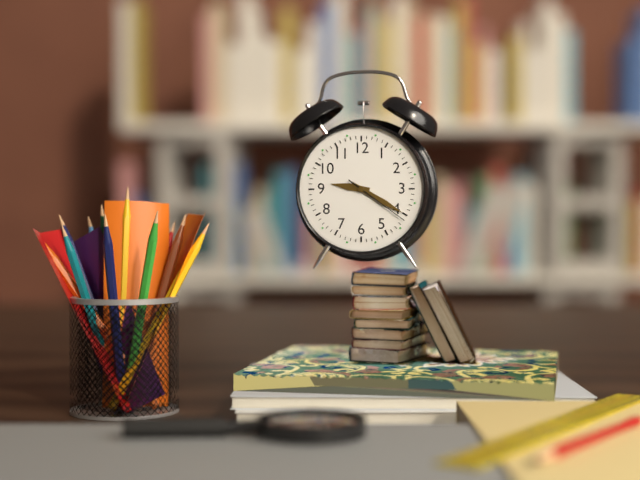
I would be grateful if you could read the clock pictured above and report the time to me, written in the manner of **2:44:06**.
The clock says **9:20:21**
